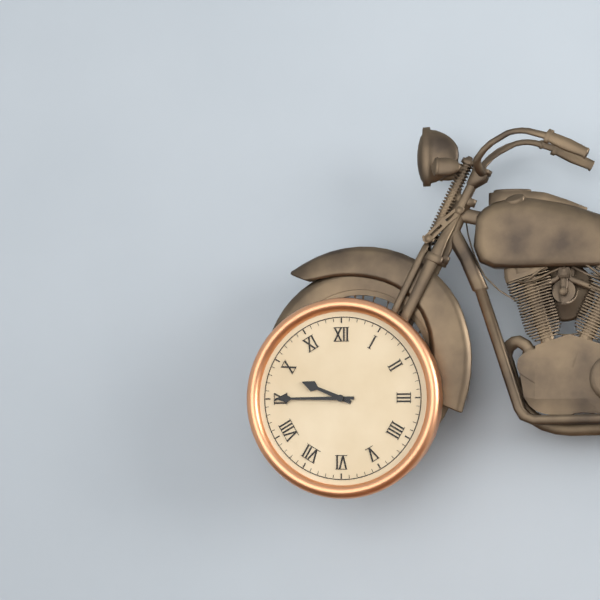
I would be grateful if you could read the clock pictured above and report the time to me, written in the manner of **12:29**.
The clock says **9:45**
